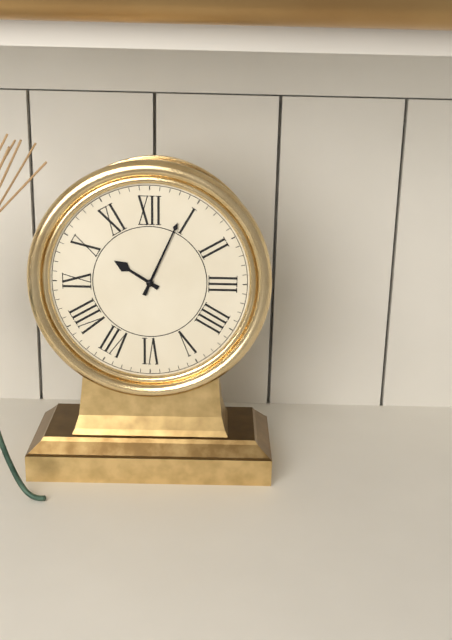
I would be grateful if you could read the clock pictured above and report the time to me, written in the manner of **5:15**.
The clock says **10:04**
